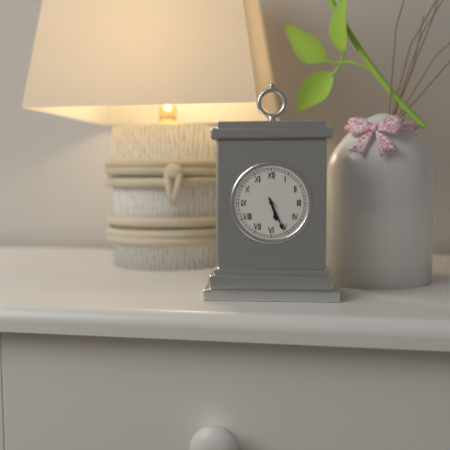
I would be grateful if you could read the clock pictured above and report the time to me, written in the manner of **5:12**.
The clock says **5:26**
